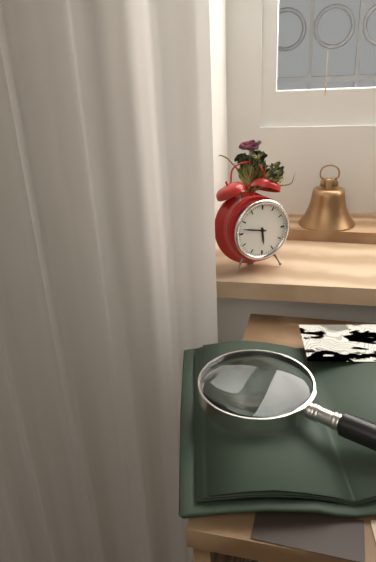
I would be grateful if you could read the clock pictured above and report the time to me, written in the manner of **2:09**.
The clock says **5:47**
